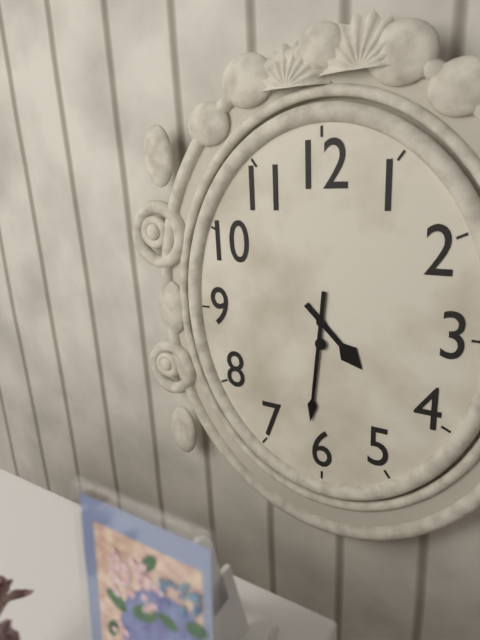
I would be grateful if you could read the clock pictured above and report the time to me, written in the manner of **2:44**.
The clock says **4:31**
